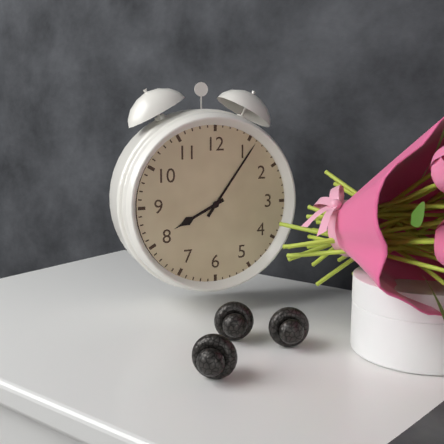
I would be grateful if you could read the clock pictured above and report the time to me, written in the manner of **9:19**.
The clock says **8:06**
